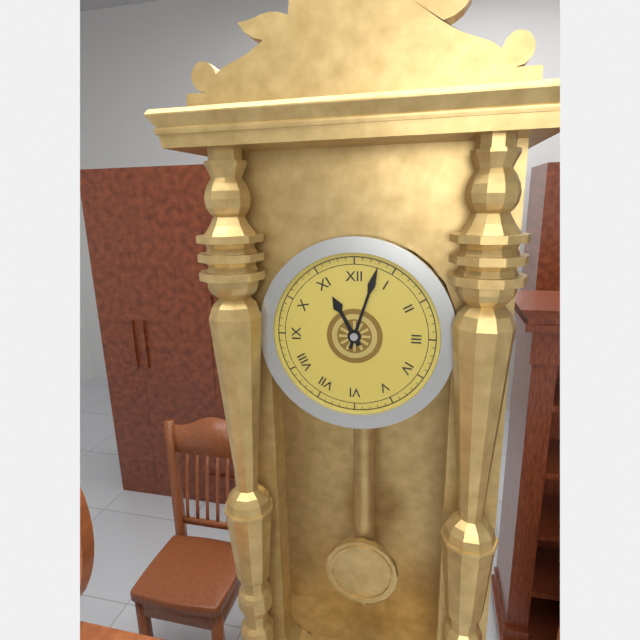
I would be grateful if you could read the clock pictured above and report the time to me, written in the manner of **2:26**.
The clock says **11:03**
